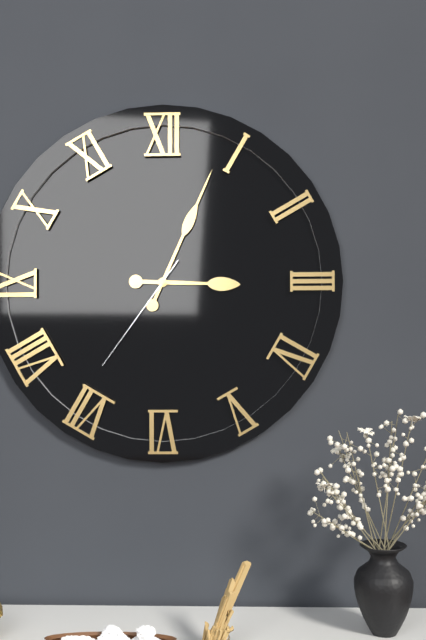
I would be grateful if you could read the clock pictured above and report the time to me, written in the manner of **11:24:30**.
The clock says **3:04:36**
